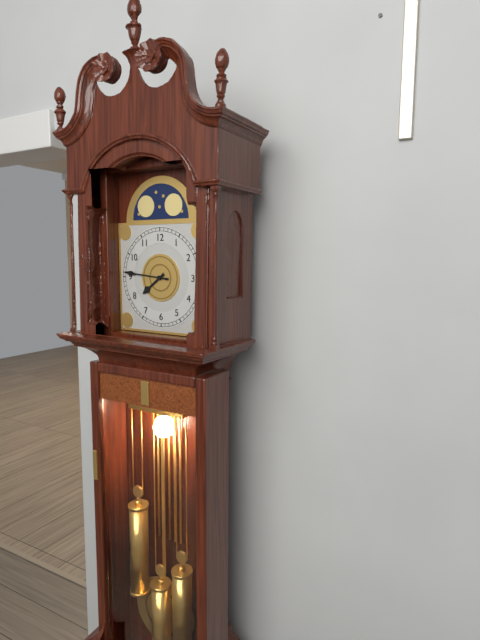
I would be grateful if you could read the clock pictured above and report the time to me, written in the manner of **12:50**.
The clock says **7:46**
